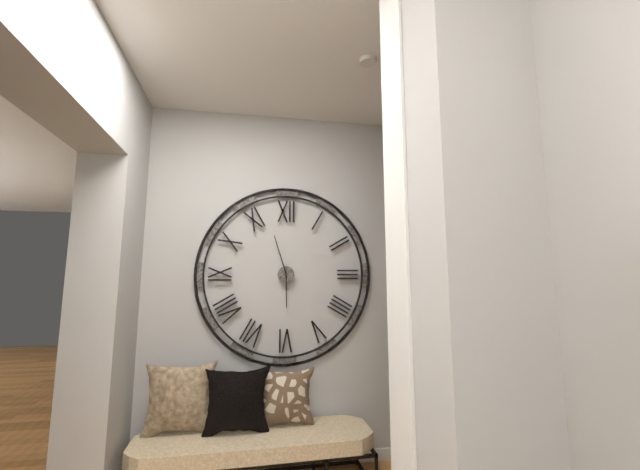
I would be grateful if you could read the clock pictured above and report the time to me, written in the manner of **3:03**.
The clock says **5:57**
